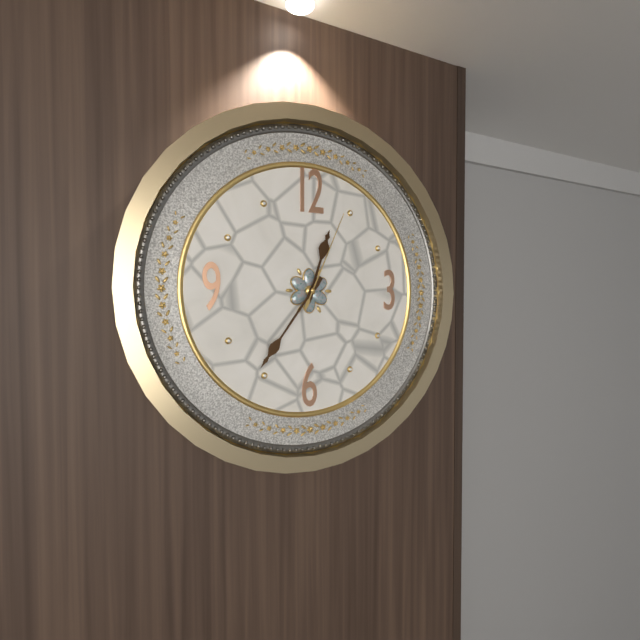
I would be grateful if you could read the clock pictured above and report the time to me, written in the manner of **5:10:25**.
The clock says **12:36:04**
